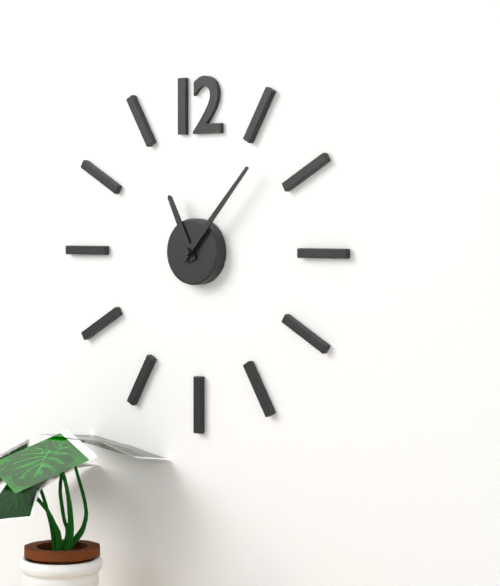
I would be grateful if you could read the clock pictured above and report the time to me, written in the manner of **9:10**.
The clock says **11:07**
